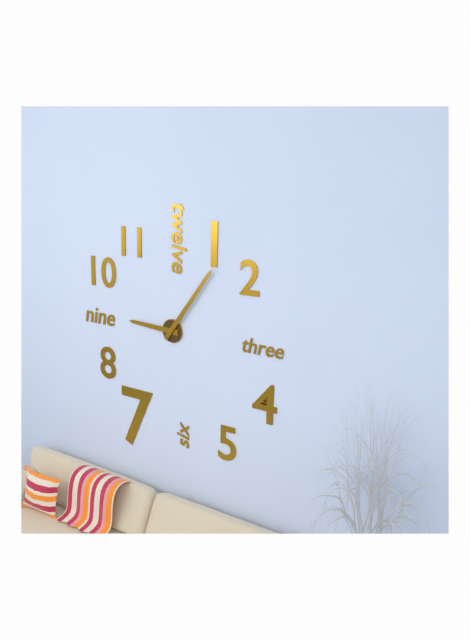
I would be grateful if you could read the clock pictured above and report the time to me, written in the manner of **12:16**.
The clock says **9:06**
